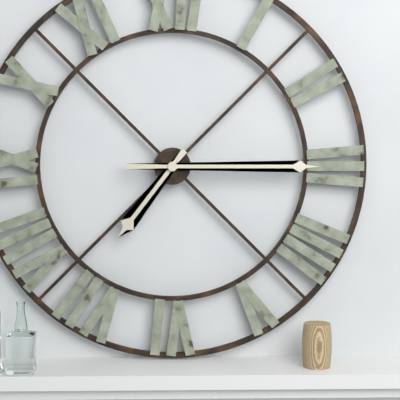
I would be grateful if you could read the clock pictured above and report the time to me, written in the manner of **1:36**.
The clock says **7:15**
